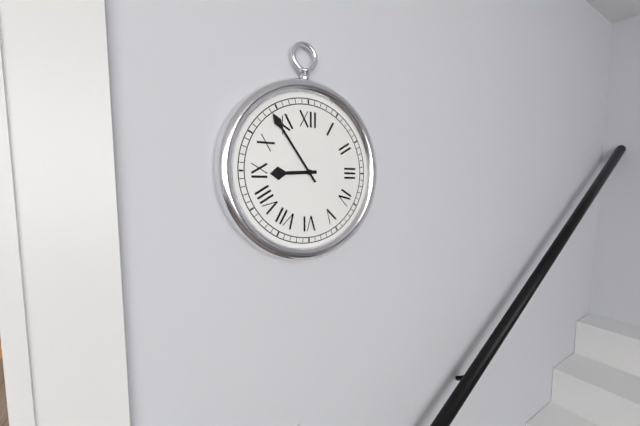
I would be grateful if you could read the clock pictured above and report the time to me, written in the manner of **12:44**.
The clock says **8:54**
